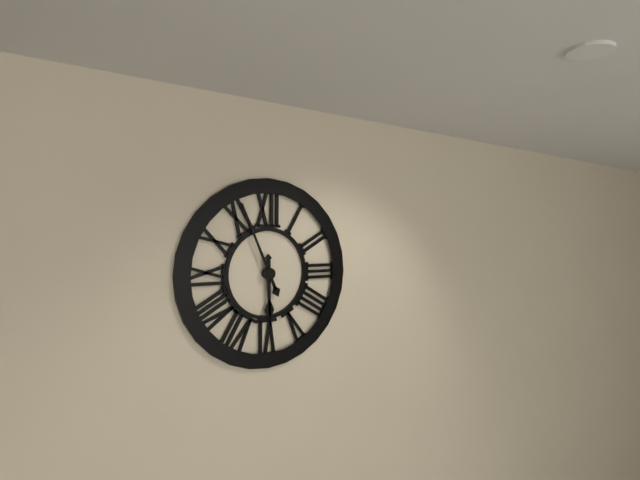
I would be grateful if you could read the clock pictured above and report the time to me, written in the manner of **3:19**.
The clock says **5:56**
